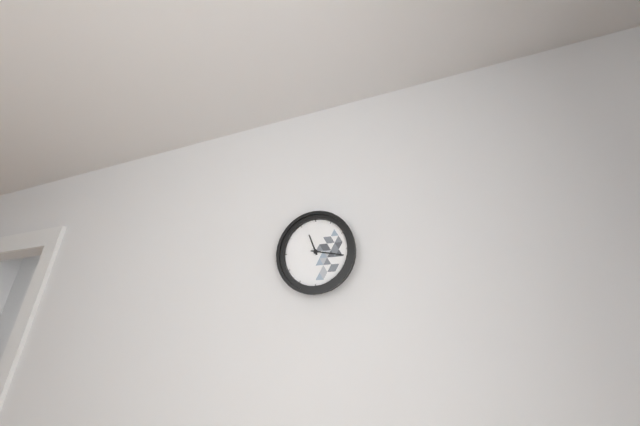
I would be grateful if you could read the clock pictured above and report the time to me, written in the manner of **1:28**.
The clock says **11:17**
